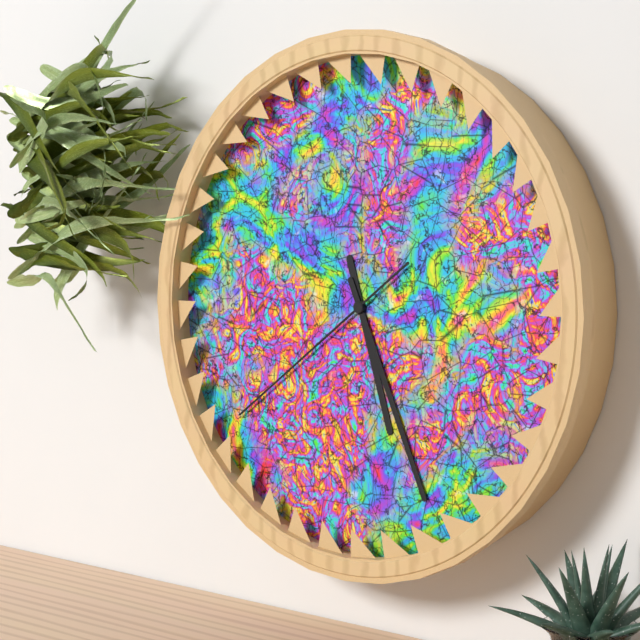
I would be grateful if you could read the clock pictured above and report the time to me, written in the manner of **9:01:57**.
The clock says **5:26:39**
